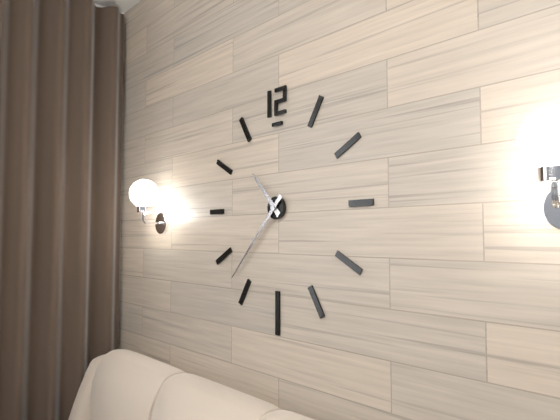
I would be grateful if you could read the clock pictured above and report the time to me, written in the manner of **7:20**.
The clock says **10:37**
